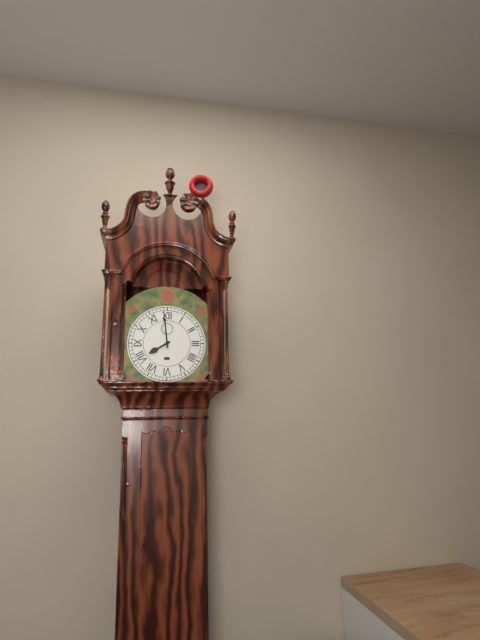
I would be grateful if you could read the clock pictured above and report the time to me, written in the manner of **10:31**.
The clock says **7:59**
